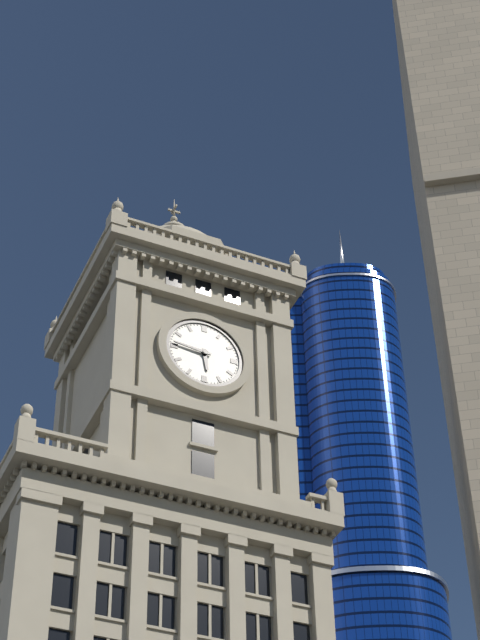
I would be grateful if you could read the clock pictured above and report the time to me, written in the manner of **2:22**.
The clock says **5:46**
